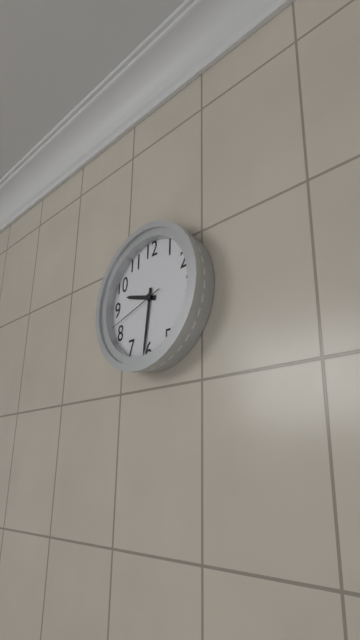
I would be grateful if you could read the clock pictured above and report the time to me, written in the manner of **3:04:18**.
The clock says **9:31:42**
